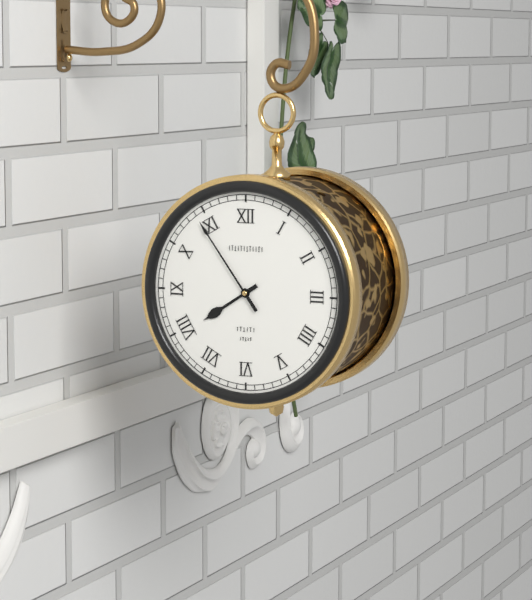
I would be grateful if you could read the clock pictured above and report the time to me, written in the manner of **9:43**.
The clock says **7:54**
